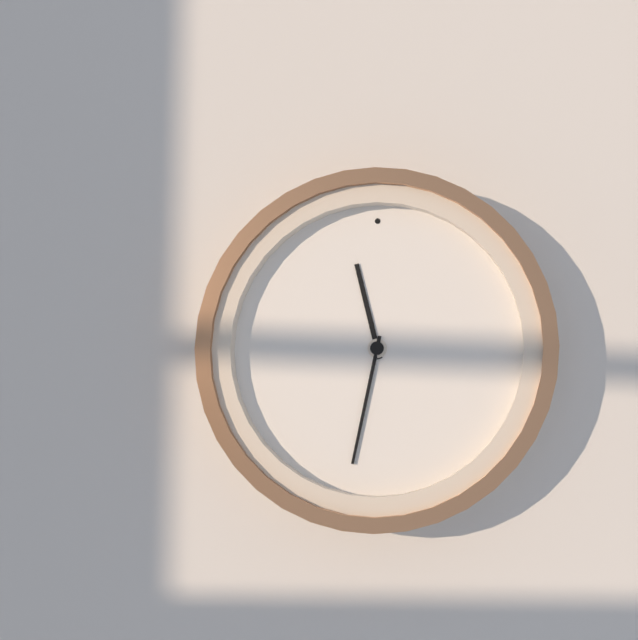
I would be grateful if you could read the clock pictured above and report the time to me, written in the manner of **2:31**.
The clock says **11:32**
